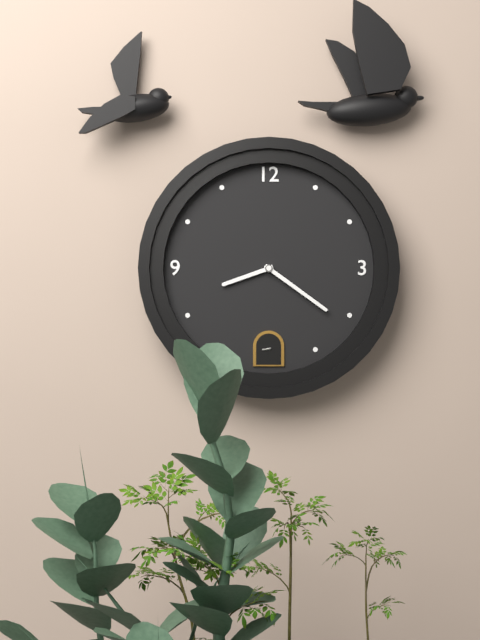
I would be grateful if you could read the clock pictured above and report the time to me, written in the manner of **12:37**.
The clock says **8:21**
